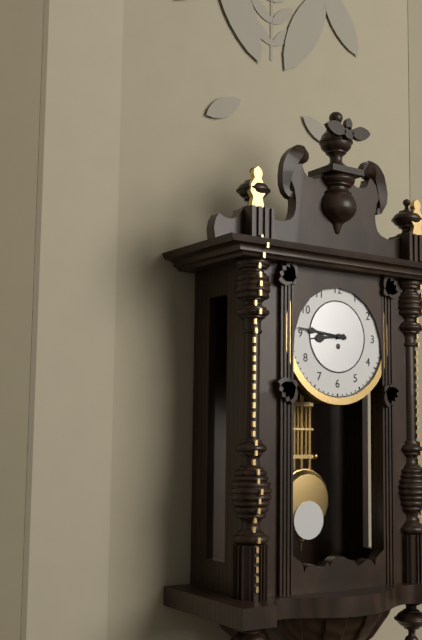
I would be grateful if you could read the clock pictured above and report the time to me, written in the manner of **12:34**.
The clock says **8:46**
